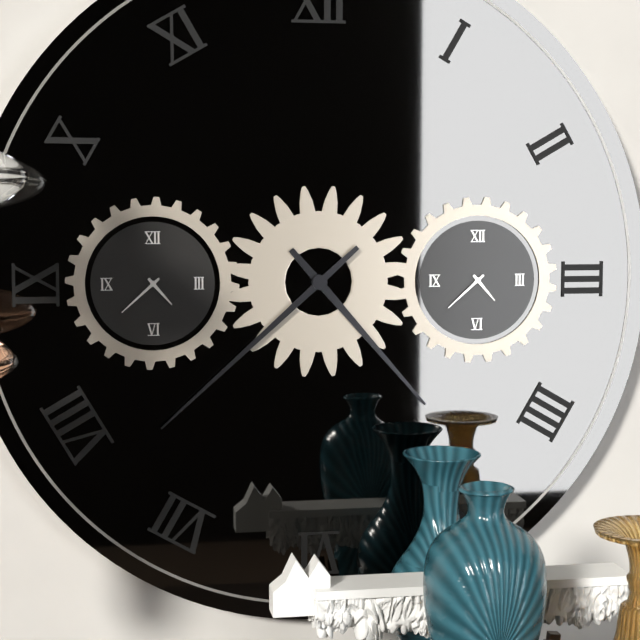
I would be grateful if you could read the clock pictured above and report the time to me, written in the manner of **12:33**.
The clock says **4:38**
